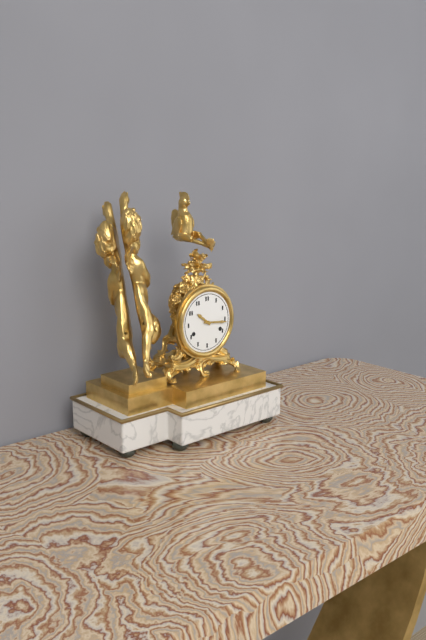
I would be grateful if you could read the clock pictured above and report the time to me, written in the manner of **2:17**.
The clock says **10:16**
